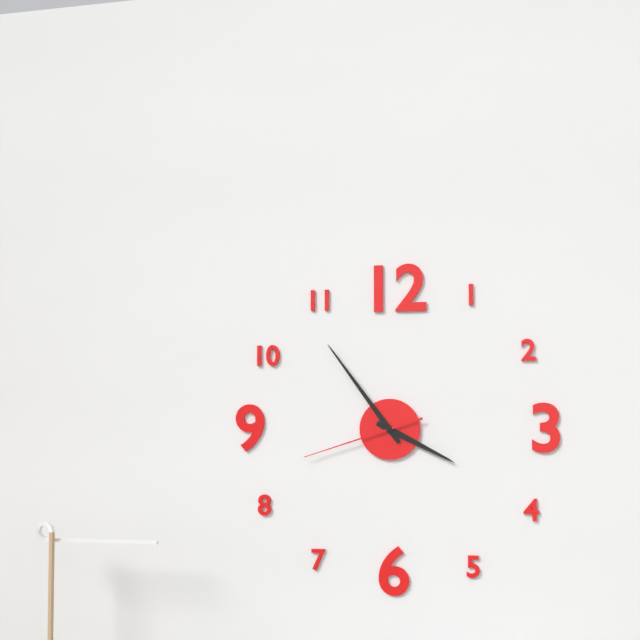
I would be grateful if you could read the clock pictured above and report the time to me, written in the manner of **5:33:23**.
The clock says **3:54:42**
